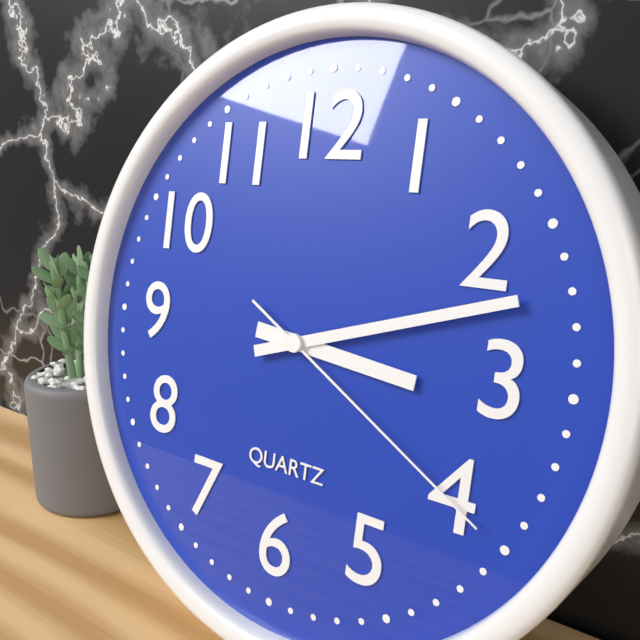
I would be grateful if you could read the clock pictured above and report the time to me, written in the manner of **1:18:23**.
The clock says **3:12:20**
